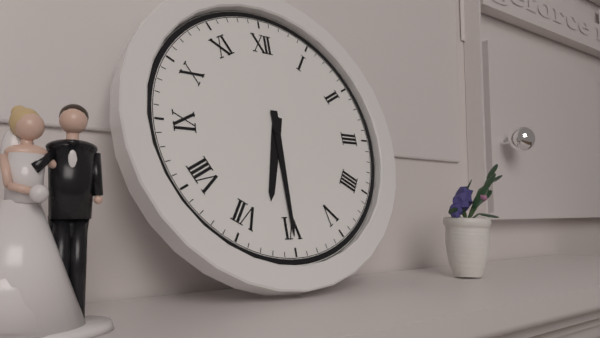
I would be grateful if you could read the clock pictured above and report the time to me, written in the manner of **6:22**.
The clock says **6:30**
